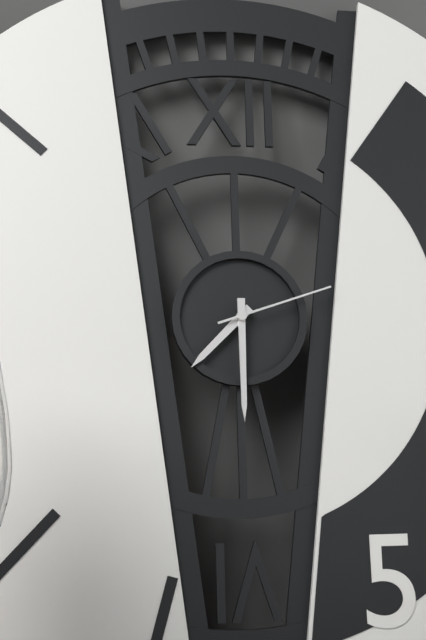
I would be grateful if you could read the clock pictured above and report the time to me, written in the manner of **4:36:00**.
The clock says **7:30:12**
